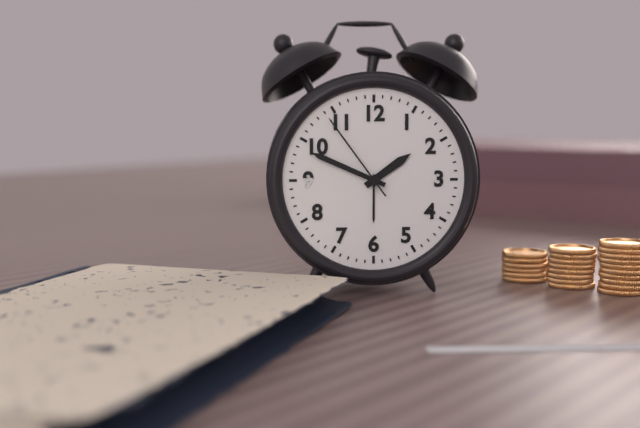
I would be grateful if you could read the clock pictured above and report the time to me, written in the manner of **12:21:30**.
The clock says **1:49:54**
